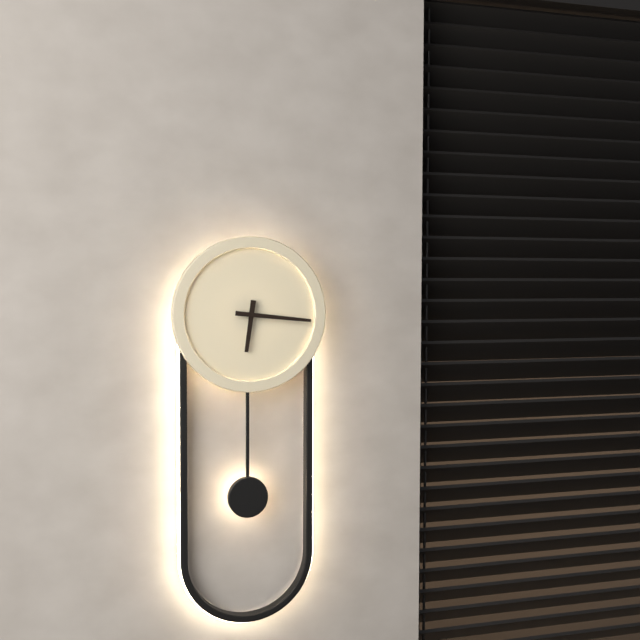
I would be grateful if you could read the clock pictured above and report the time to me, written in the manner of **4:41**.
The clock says **6:16**
